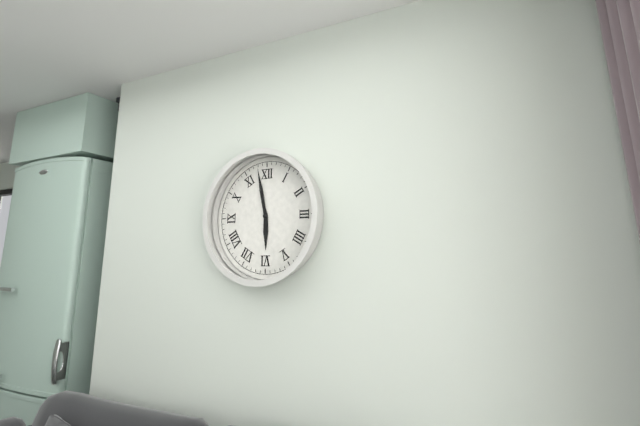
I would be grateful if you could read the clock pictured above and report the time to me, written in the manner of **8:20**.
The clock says **5:58**
